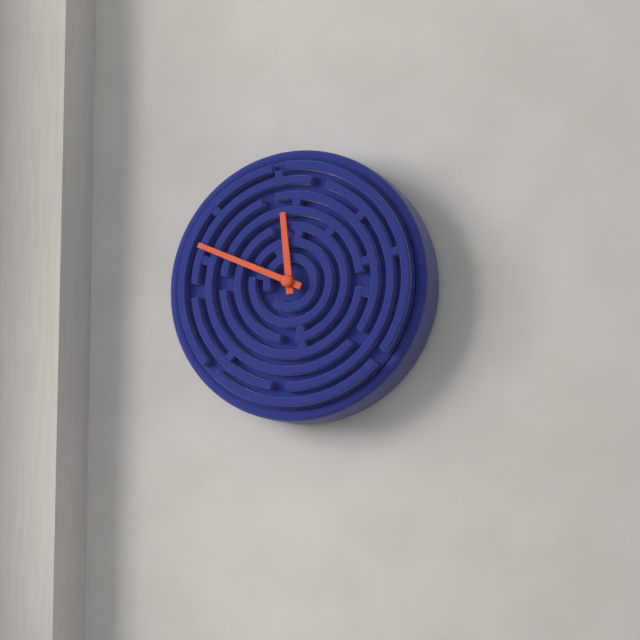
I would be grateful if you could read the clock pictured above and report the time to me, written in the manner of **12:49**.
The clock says **11:49**
